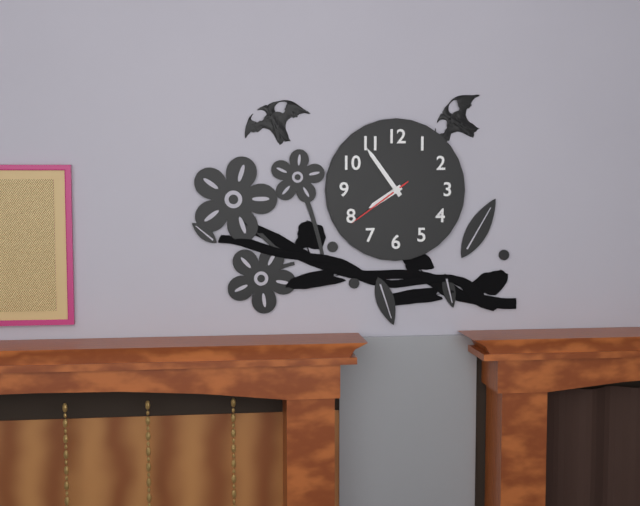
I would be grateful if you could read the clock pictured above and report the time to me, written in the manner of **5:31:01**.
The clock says **7:54:39**
